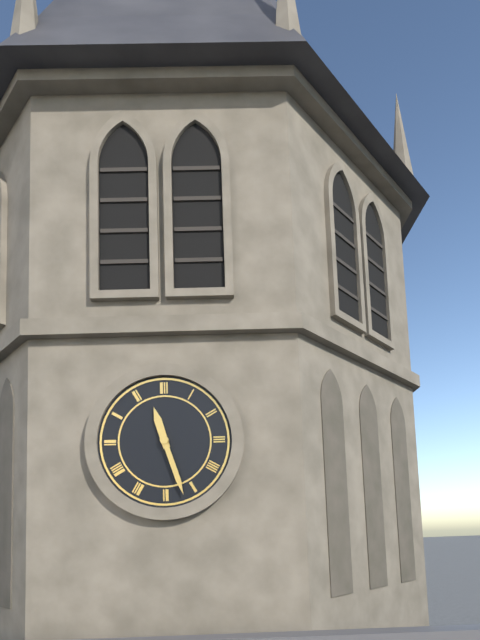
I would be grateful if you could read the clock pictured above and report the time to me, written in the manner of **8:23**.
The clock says **11:27**
